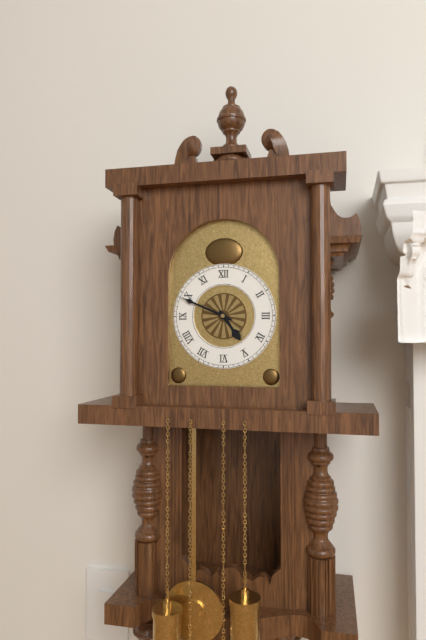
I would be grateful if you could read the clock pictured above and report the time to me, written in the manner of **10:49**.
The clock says **4:49**
